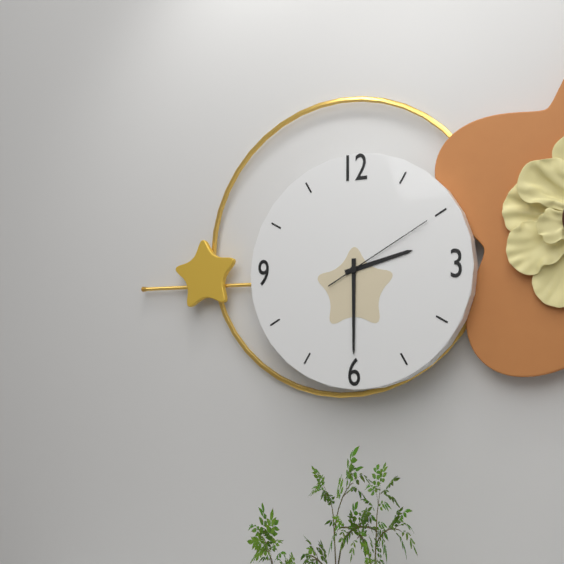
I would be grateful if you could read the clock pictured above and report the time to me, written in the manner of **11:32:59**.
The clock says **2:30:10**
